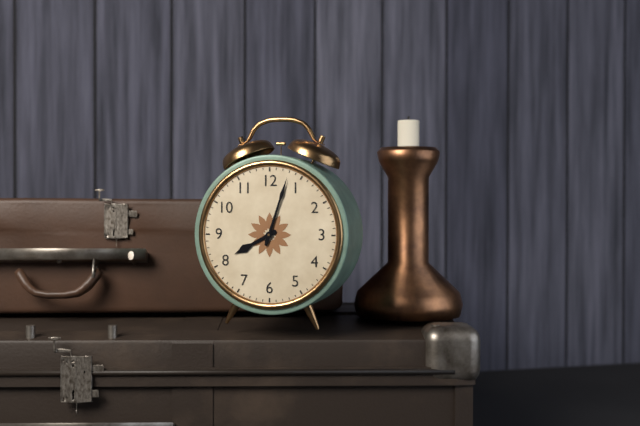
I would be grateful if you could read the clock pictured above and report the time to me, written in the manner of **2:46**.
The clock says **8:03**
